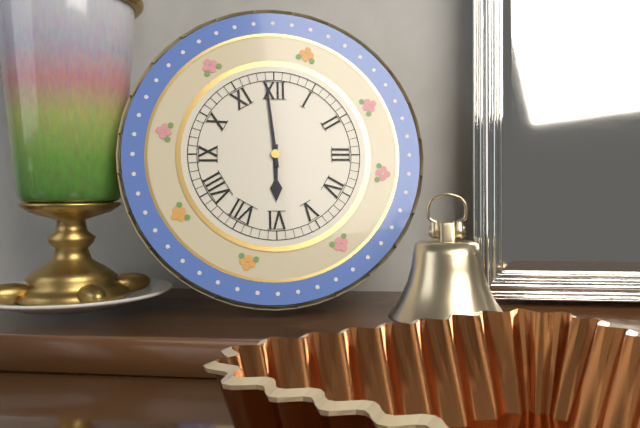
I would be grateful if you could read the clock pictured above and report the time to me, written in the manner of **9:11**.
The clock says **5:59**
